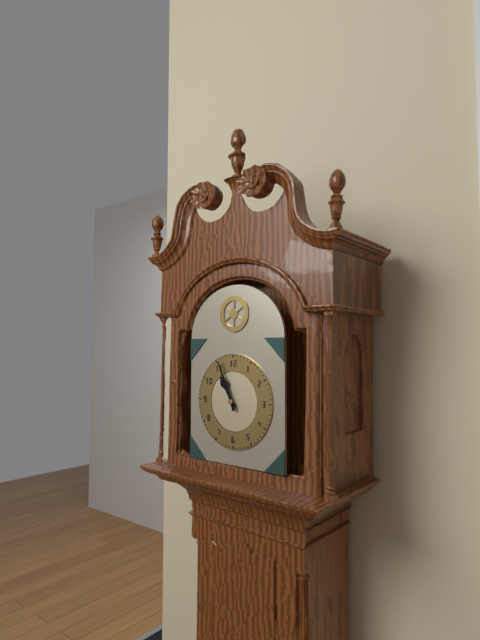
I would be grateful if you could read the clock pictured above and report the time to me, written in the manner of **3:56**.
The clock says **10:56**
